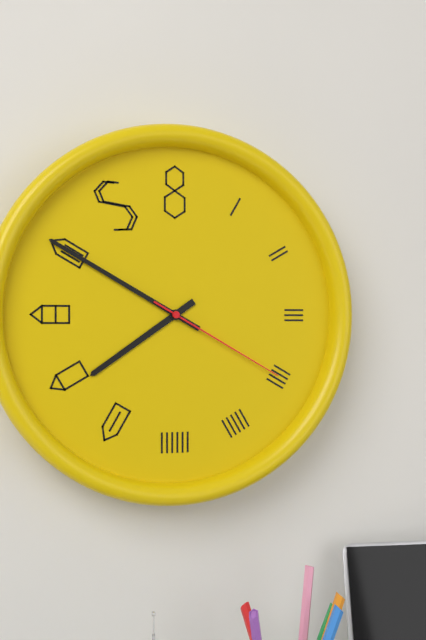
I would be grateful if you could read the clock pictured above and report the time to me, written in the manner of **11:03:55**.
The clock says **7:50:20**
